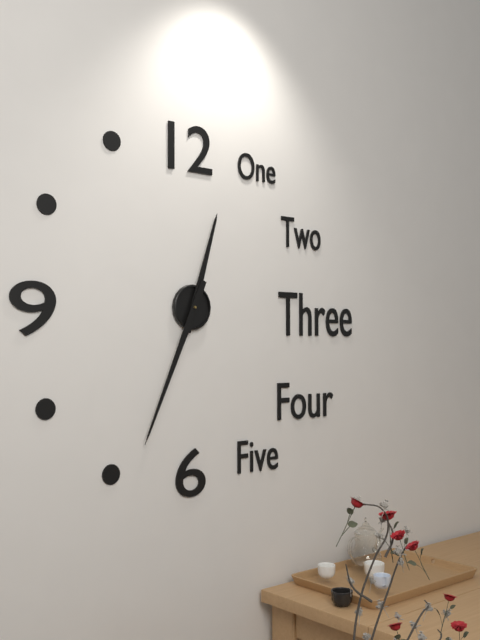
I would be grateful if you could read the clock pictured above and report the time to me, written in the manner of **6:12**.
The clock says **12:34**
